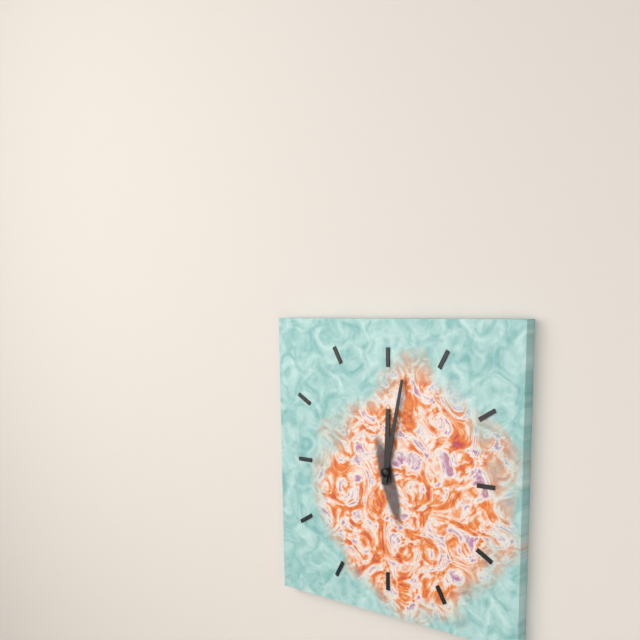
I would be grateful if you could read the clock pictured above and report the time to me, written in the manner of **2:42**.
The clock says **12:02**
